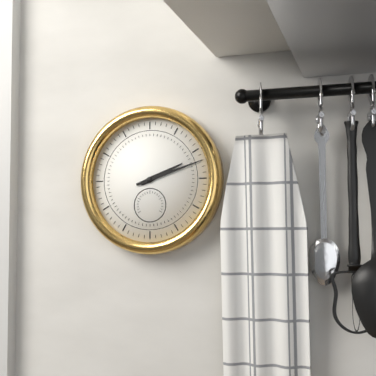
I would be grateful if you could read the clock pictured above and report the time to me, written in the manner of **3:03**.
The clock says **2:12**
